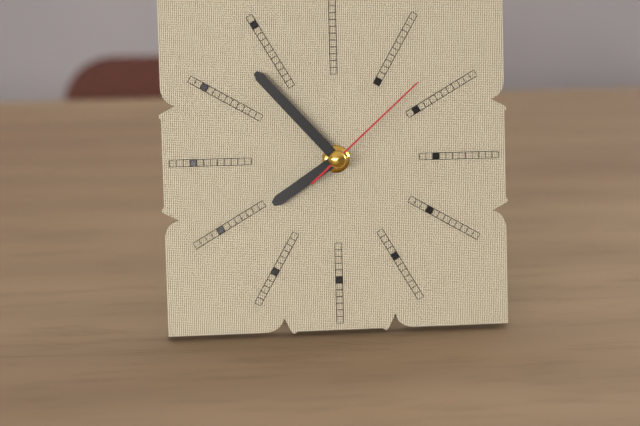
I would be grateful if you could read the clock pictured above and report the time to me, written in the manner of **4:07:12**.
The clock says **7:53:08**
